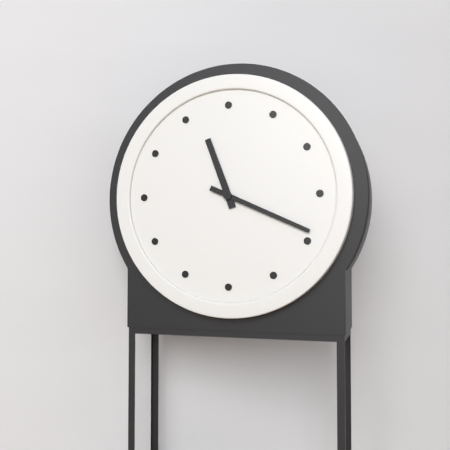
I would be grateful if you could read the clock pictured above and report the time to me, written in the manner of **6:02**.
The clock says **11:19**
